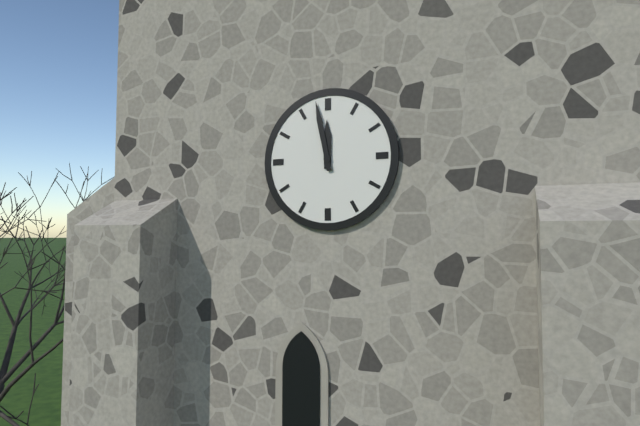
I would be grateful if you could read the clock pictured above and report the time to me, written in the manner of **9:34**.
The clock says **11:58**
